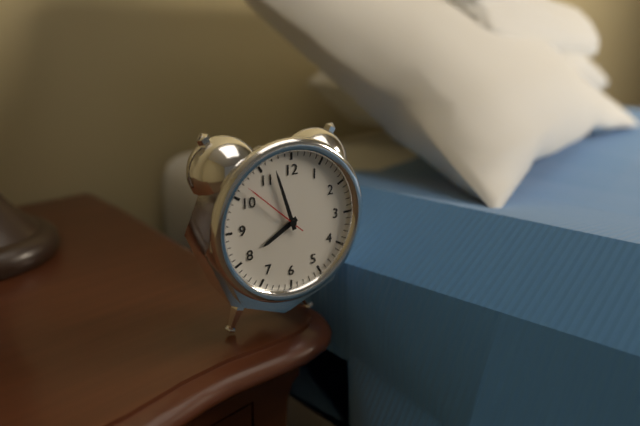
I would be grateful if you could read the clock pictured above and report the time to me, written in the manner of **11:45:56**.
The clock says **7:57:52**
